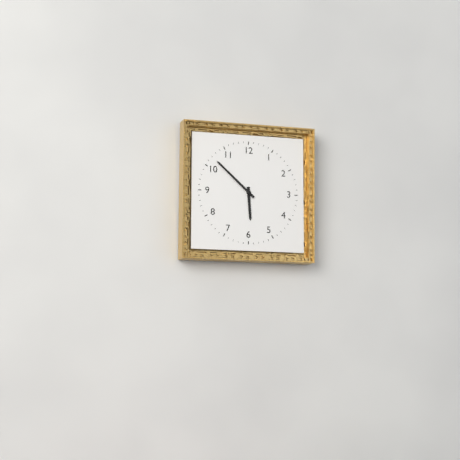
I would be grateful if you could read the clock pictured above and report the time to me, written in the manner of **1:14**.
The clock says **5:52**
